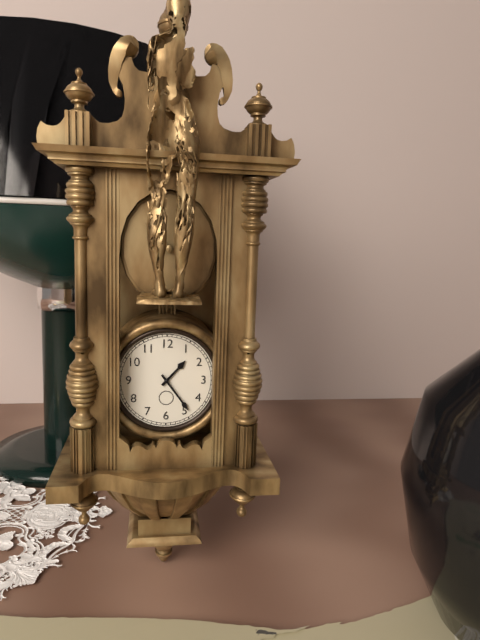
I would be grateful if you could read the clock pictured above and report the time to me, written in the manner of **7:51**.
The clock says **1:24**
